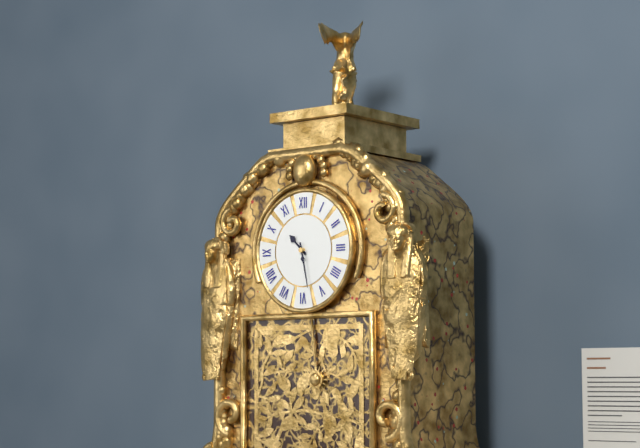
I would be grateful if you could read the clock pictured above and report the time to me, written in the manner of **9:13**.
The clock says **10:28**
